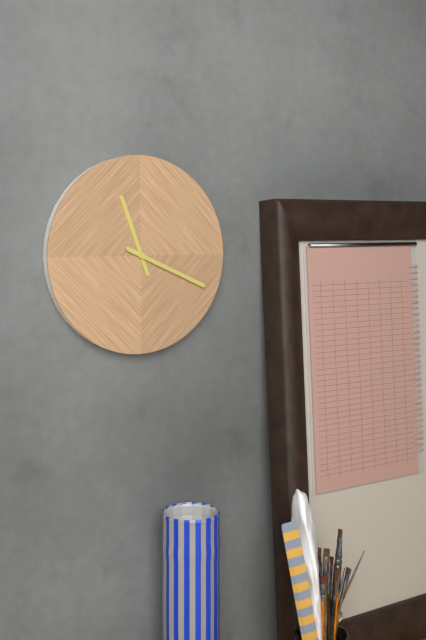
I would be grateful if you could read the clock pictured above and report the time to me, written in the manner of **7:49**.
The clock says **11:19**
